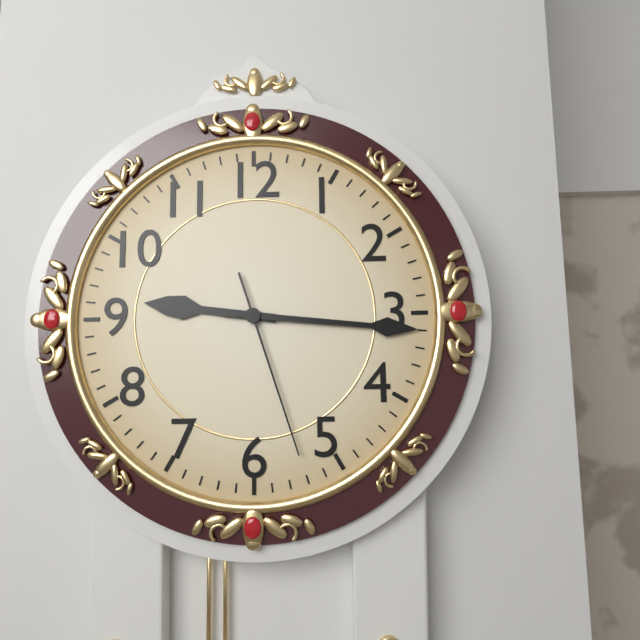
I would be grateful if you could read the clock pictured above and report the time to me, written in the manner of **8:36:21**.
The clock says **9:16:27**
